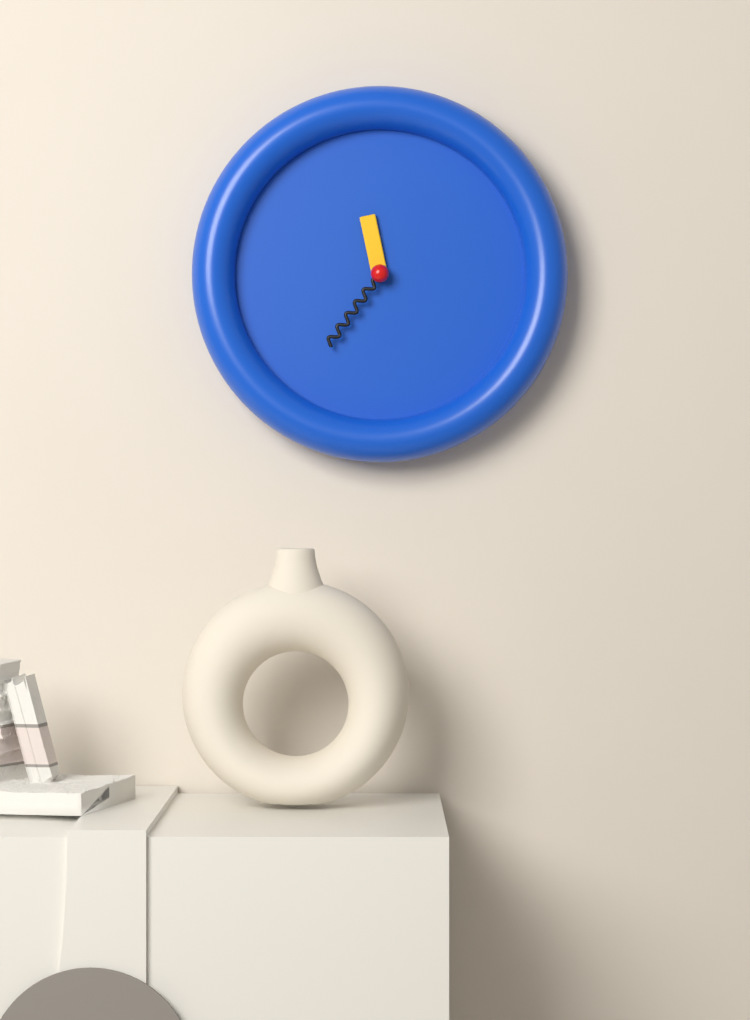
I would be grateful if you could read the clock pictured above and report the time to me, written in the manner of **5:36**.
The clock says **11:36**
